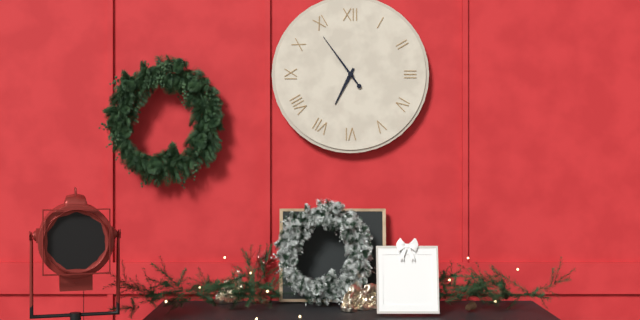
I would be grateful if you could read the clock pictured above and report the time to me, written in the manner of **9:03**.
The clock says **6:54**
